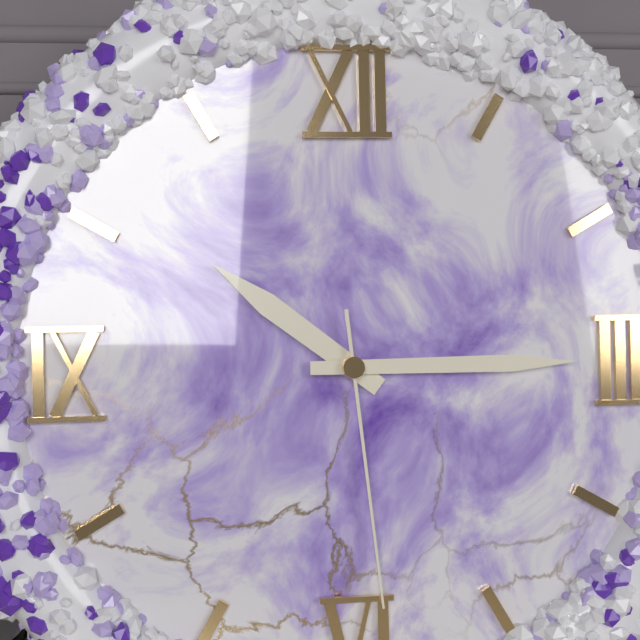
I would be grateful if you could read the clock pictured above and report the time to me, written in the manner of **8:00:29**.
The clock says **10:15:29**
